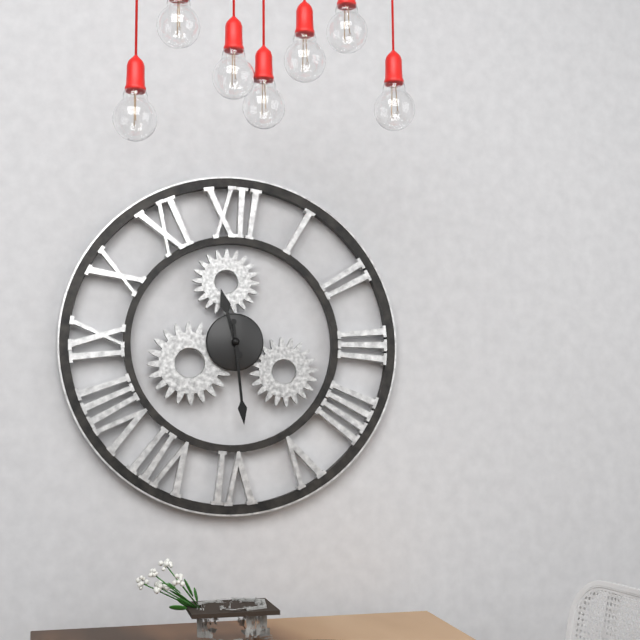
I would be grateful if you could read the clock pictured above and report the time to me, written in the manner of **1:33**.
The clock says **11:29**
